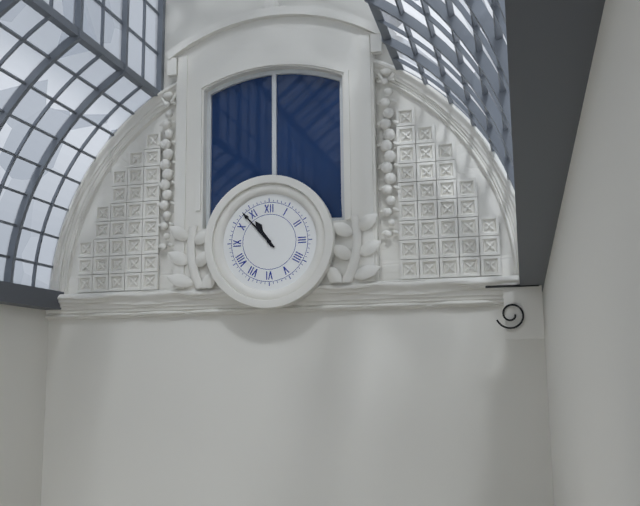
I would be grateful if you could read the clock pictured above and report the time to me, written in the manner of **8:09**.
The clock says **10:53**
